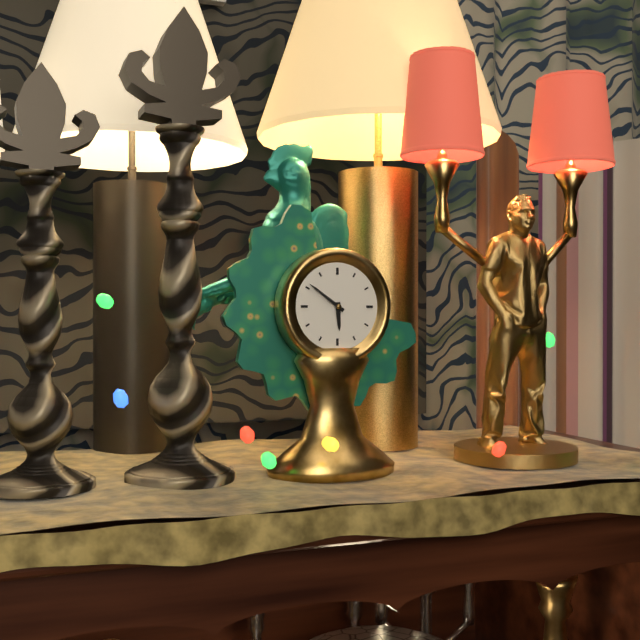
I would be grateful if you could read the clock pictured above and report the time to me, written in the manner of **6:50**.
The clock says **5:51**
